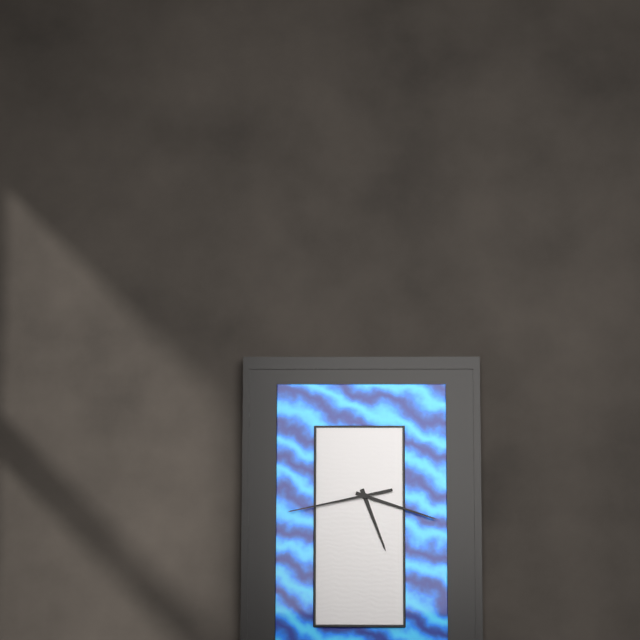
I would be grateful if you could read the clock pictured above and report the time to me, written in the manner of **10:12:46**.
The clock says **5:18:43**
